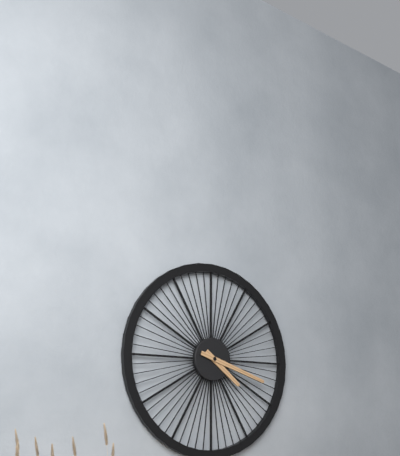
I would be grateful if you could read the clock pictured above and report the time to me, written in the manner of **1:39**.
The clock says **4:18**
